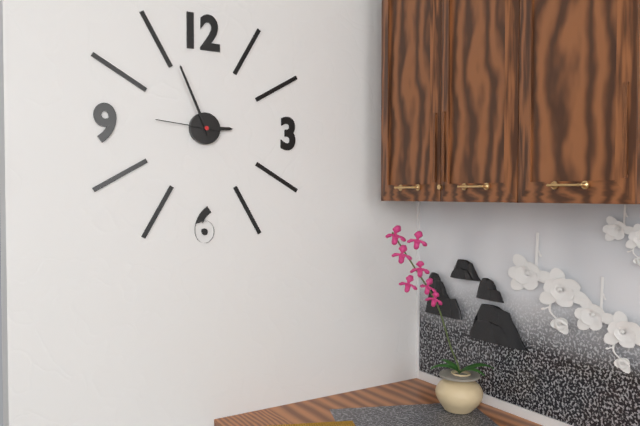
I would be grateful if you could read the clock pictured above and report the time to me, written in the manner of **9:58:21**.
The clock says **2:56:46**
